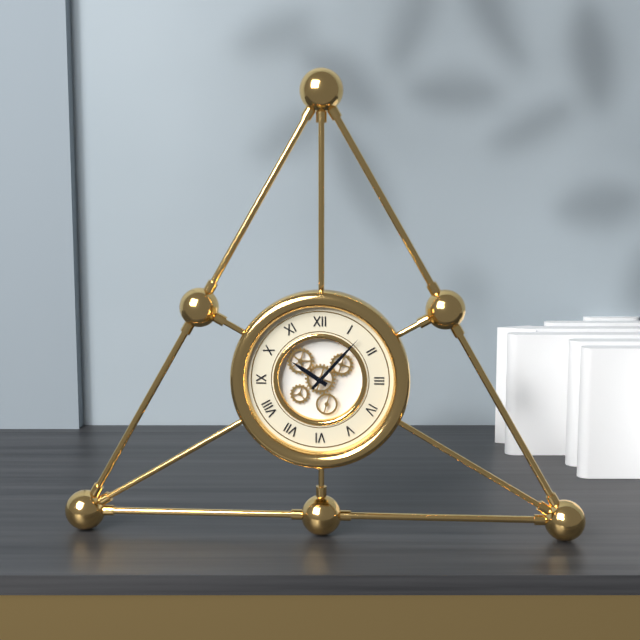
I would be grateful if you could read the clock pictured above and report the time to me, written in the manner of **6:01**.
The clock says **10:07**
